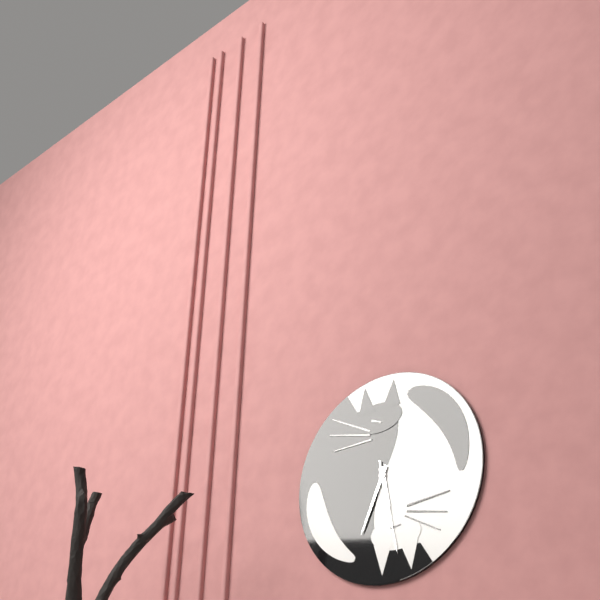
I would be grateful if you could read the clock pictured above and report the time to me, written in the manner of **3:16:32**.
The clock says **5:34:28**
